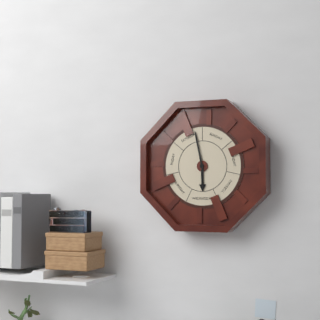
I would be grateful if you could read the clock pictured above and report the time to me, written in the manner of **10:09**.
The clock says **5:58**
